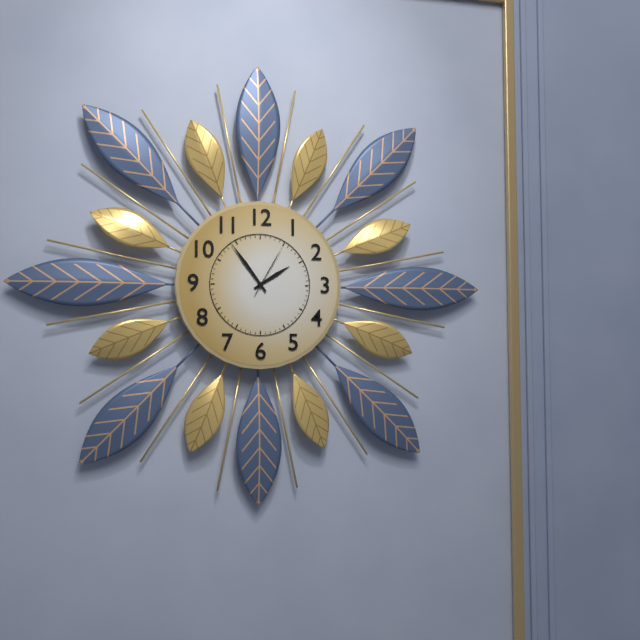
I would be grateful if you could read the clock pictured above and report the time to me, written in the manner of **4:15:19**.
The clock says **1:54:05**
